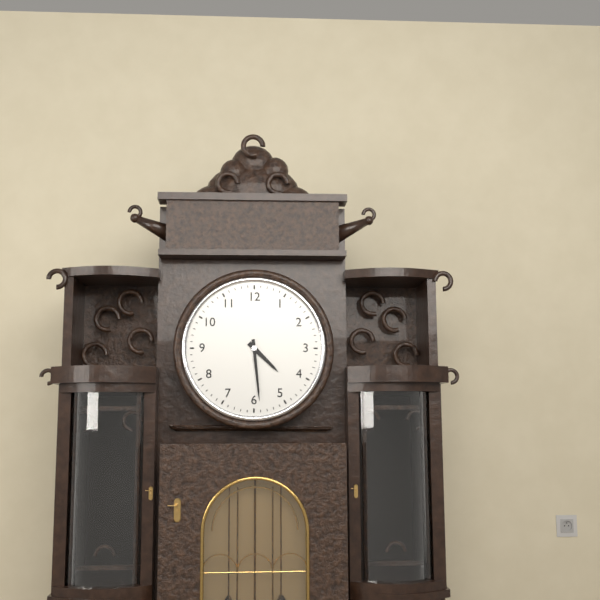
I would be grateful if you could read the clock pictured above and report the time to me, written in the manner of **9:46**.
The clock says **4:29**
